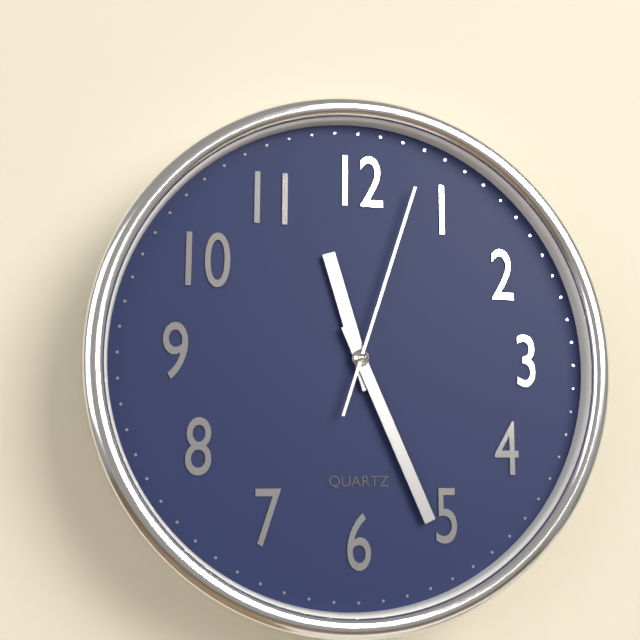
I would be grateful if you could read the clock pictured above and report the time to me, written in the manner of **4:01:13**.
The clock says **11:26:03**
